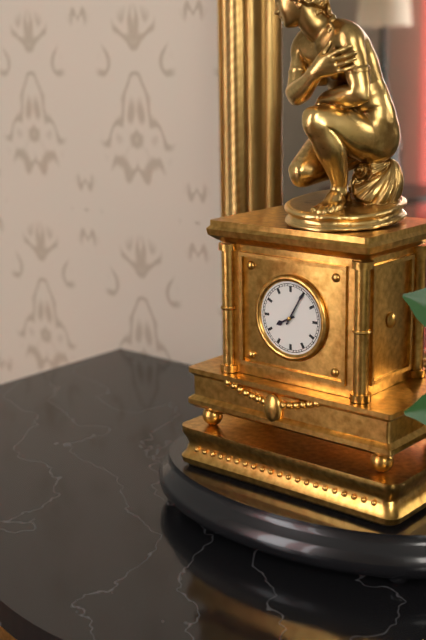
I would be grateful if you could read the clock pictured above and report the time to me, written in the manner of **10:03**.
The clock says **8:05**
